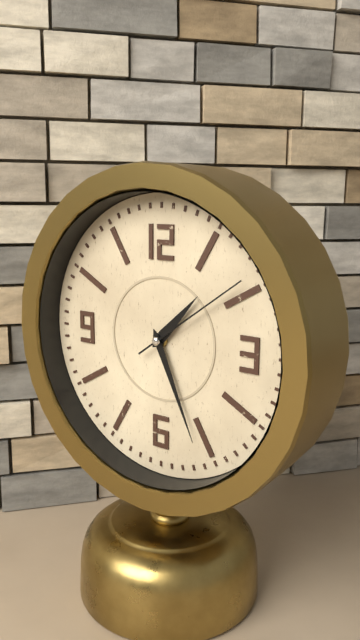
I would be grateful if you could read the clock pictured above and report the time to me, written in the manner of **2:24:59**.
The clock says **1:26:09**
